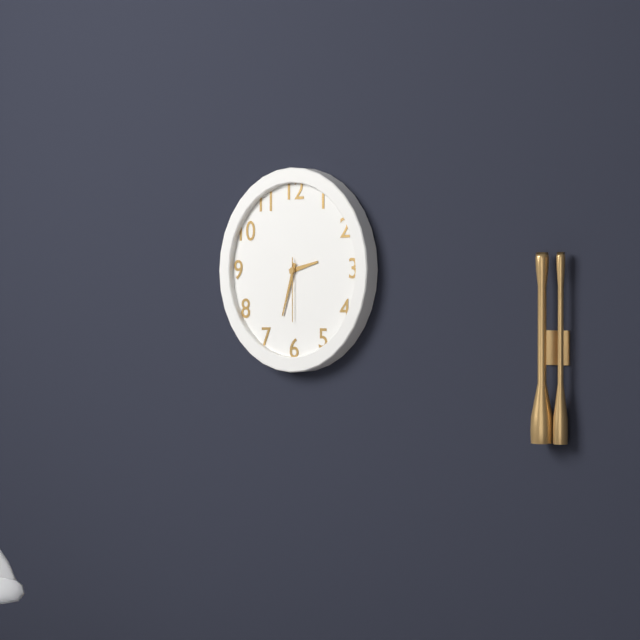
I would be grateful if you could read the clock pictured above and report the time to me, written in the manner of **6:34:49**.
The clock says **2:33:30**
